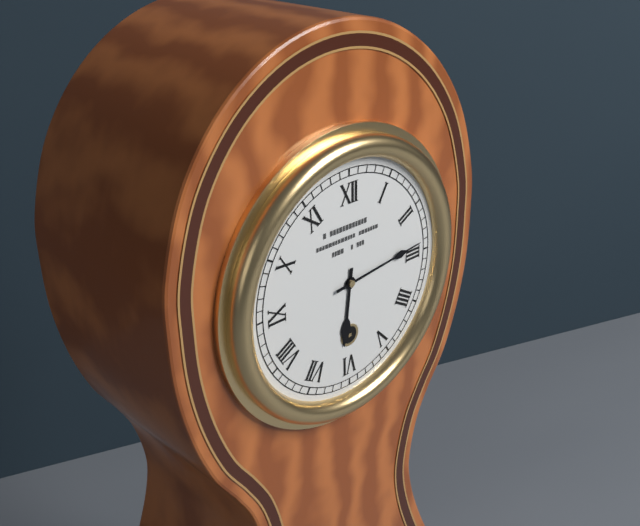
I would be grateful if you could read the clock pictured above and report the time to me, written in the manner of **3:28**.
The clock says **6:14**
